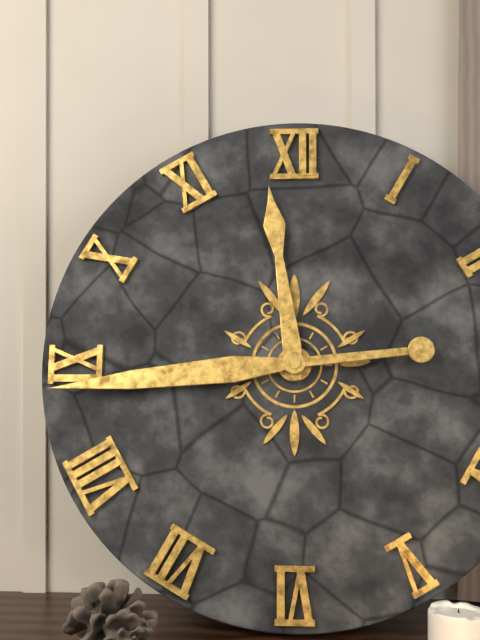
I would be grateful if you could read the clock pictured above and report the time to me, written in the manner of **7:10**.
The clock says **11:44**
